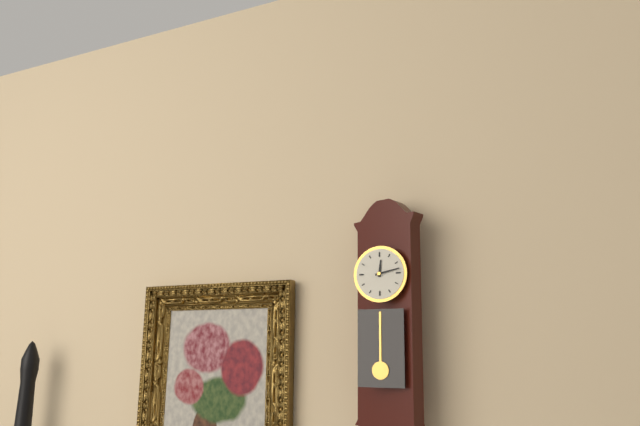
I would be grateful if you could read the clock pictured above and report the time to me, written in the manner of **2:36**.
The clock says **12:13**
